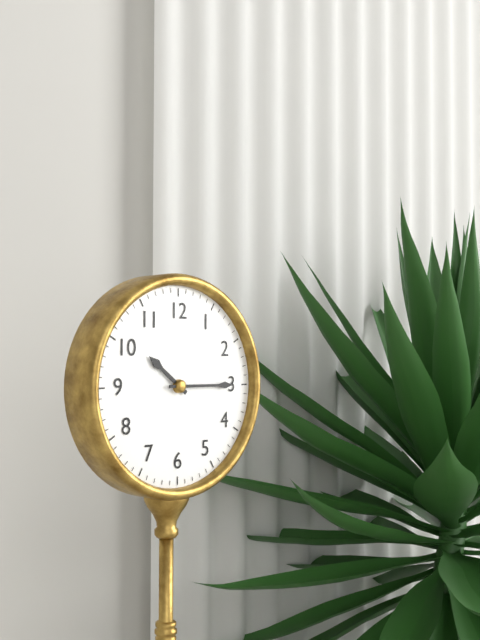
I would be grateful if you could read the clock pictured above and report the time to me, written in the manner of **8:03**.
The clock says **10:15**
